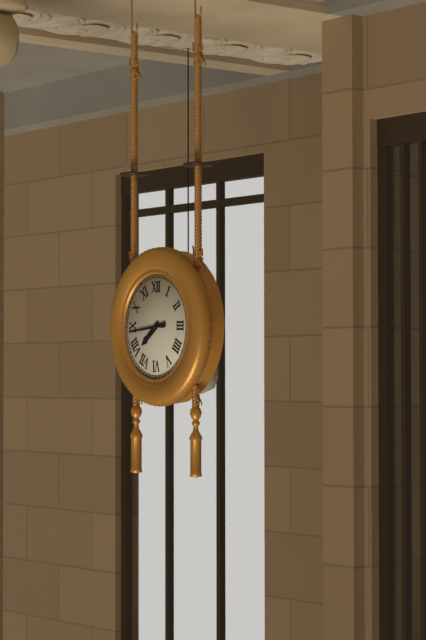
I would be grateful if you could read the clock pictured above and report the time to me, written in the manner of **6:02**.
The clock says **7:44**
